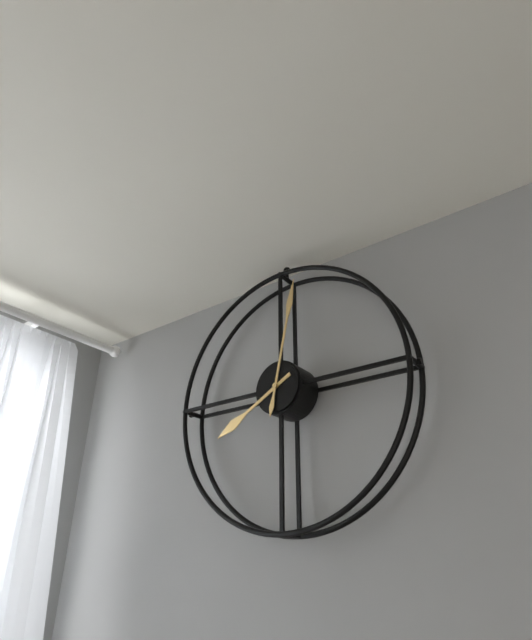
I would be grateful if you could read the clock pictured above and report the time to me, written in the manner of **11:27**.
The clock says **8:02**
